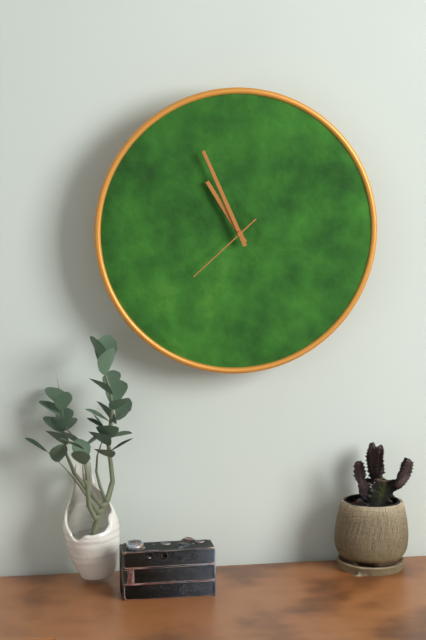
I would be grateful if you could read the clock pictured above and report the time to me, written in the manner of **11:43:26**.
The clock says **10:56:38**
